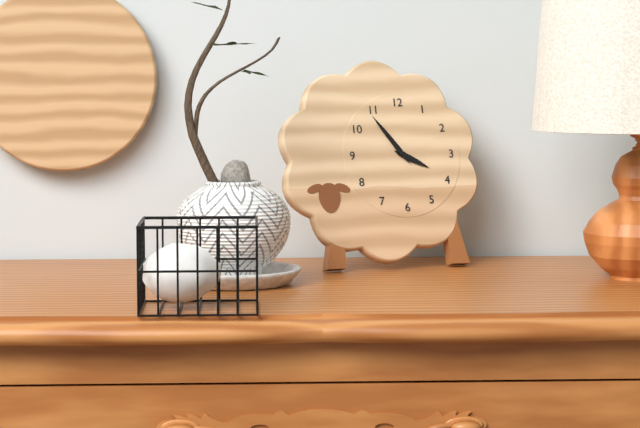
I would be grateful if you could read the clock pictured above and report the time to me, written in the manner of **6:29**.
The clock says **3:54**
